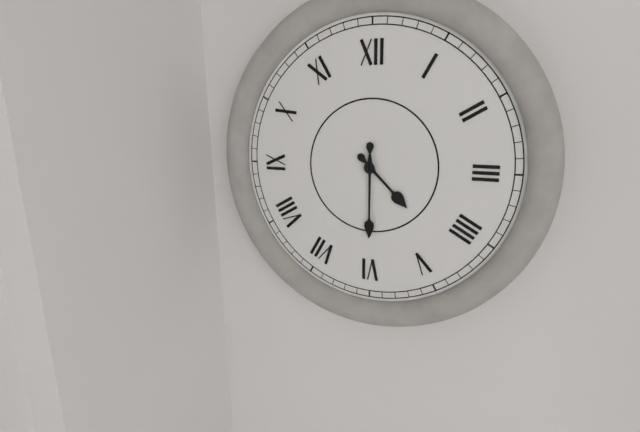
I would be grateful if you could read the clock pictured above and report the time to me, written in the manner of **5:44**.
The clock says **4:30**
